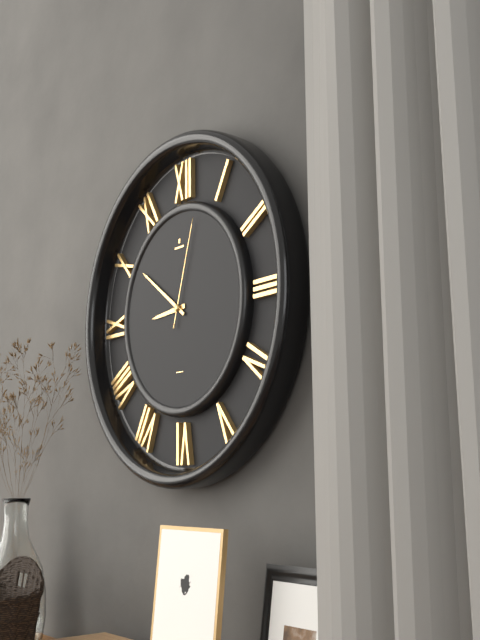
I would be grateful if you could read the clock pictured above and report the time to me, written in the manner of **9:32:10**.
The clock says **8:51:03**
